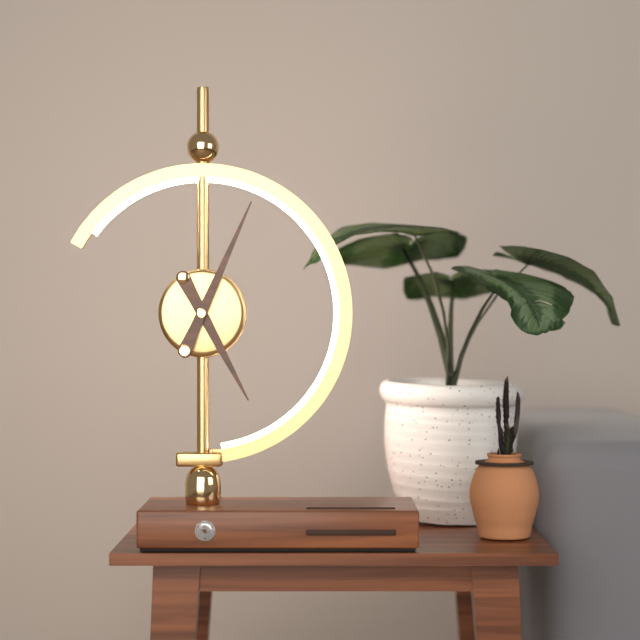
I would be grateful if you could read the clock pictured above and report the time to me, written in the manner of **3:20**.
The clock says **5:04**
